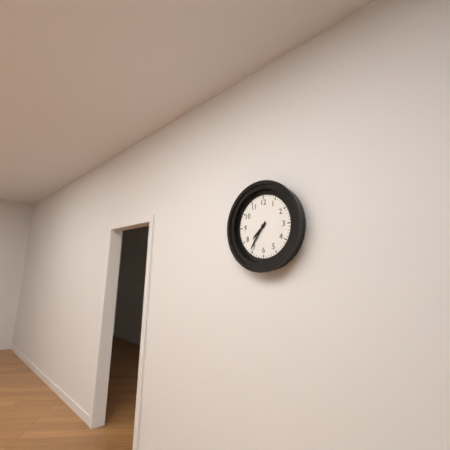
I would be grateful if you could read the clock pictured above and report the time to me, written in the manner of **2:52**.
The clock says **7:36**
